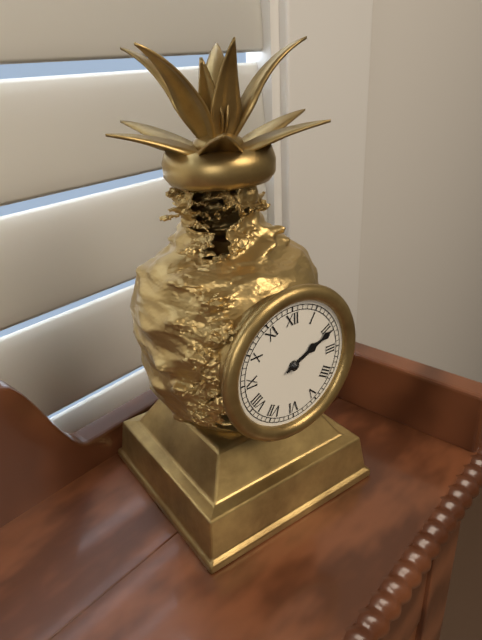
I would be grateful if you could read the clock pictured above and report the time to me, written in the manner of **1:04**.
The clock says **2:11**
